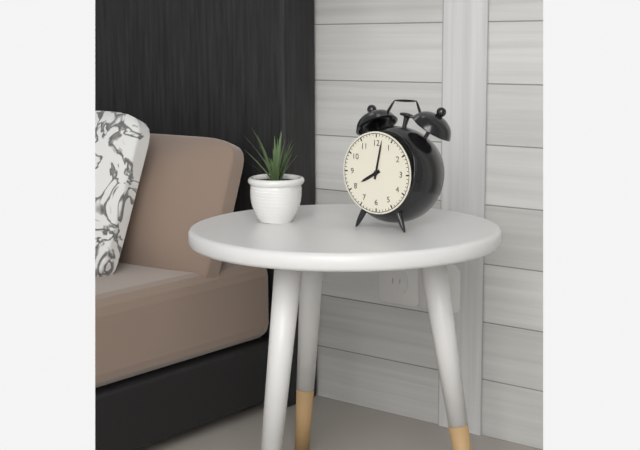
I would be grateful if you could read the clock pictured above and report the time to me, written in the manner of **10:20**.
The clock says **8:02**
